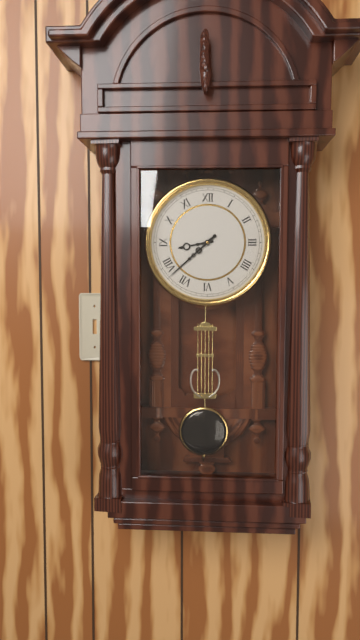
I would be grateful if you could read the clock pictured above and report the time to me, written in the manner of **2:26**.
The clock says **8:38**
